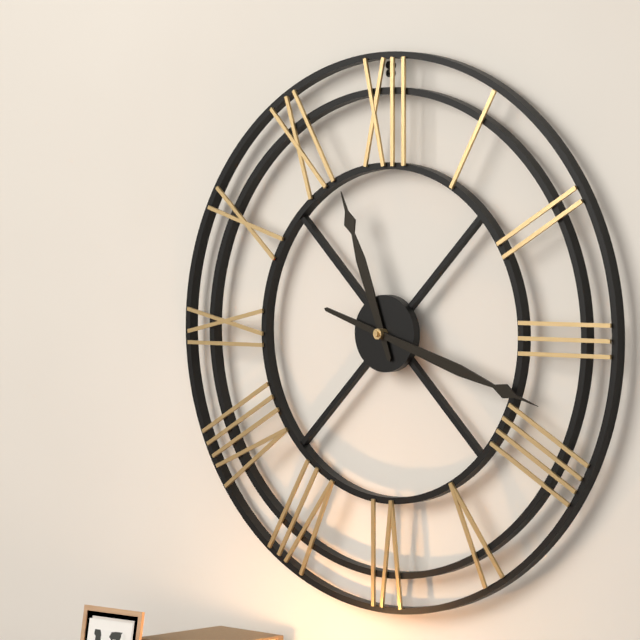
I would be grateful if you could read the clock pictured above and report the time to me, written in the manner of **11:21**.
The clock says **11:18**
